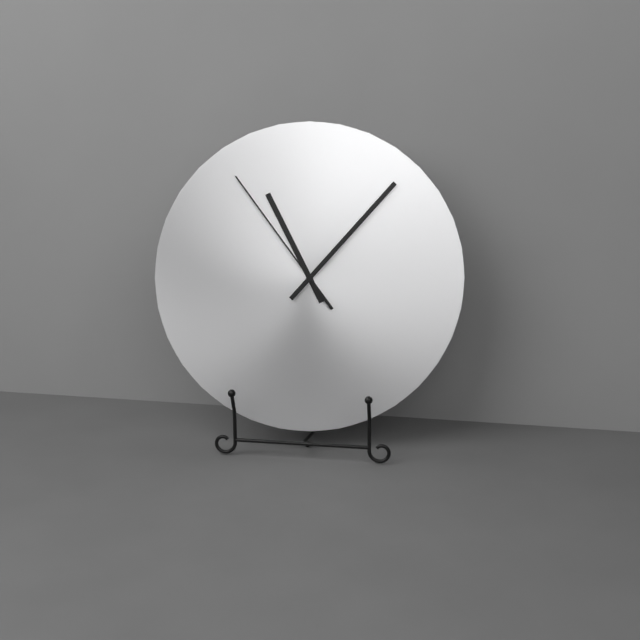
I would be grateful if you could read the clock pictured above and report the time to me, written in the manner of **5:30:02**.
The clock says **11:07:54**
